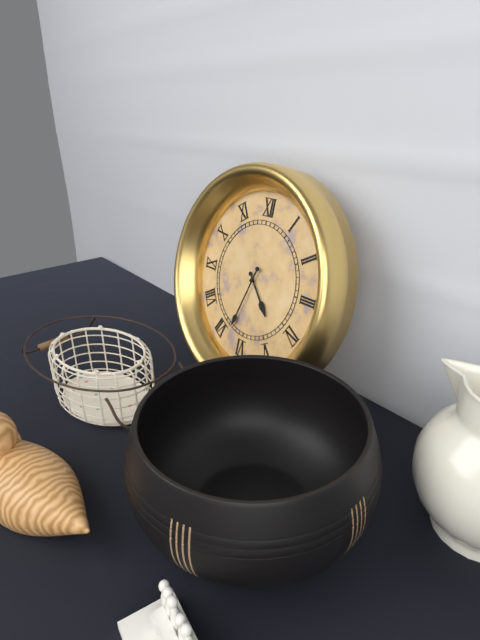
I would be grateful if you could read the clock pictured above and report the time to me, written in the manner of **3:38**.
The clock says **4:33**
